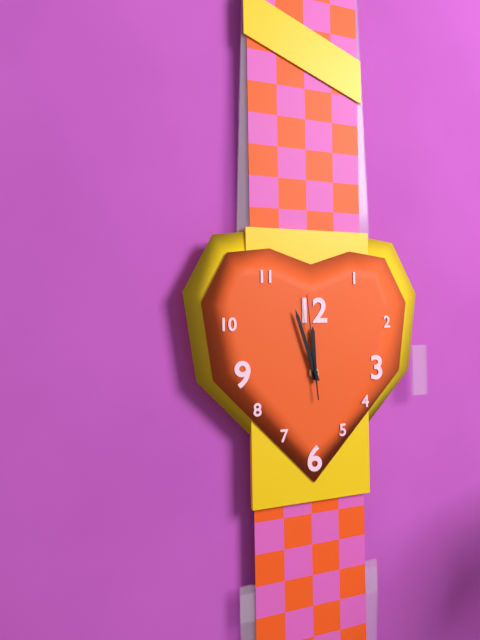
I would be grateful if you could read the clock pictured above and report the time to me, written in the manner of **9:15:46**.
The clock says **11:57:59**
